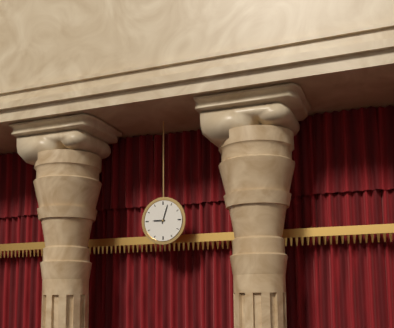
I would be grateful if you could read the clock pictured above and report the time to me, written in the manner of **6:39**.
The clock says **9:03**
